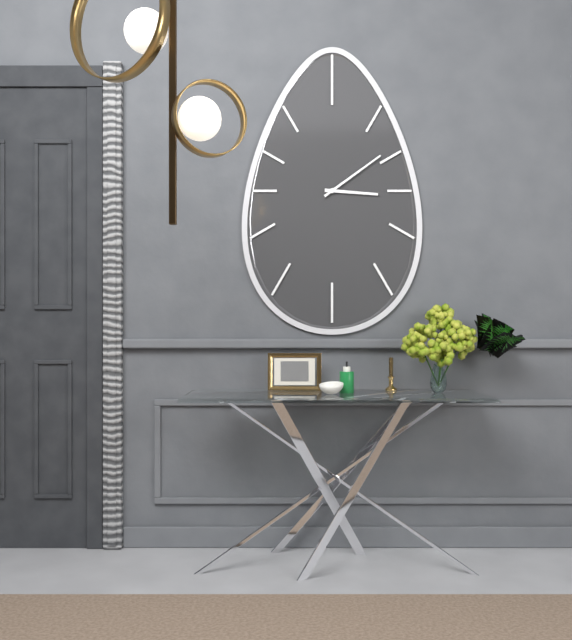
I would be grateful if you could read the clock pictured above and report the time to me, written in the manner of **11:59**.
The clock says **3:09**
